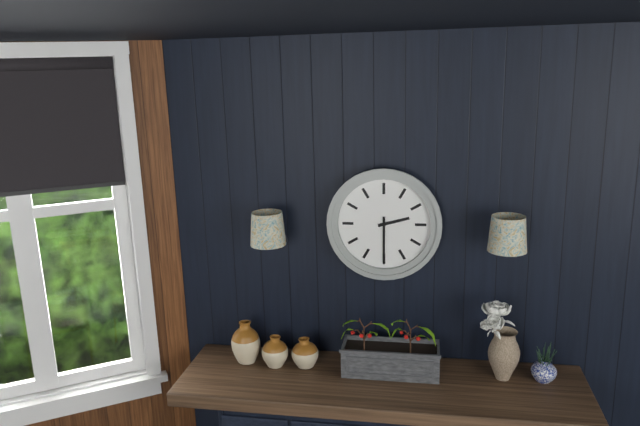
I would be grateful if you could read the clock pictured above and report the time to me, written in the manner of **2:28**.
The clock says **2:30**
